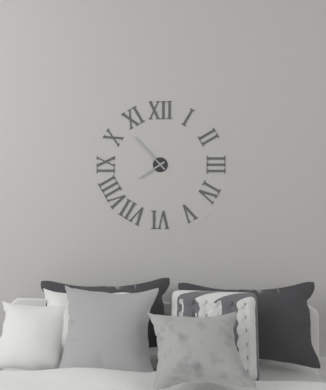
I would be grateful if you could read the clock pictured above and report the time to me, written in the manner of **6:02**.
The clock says **7:53**
